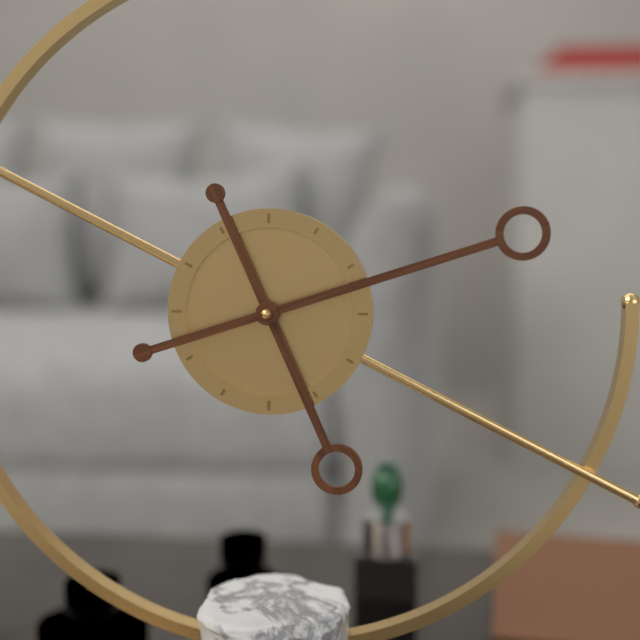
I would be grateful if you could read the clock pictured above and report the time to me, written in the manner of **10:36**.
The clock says **5:12**
